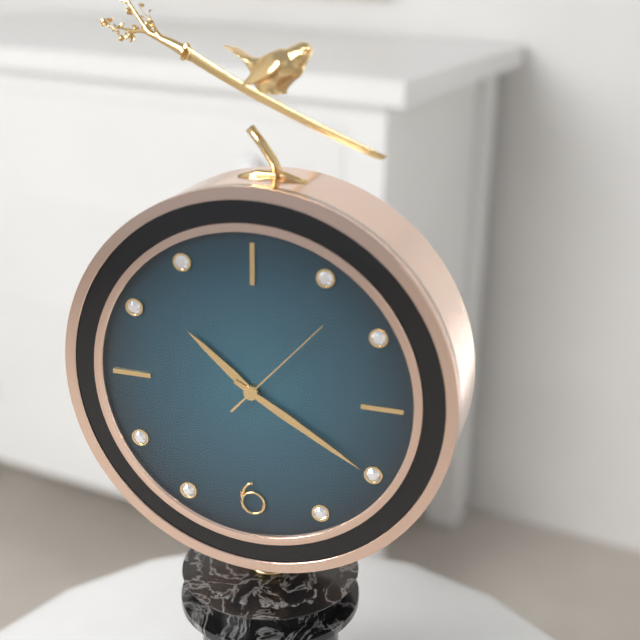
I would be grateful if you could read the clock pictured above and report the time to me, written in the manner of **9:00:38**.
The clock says **10:20:07**
